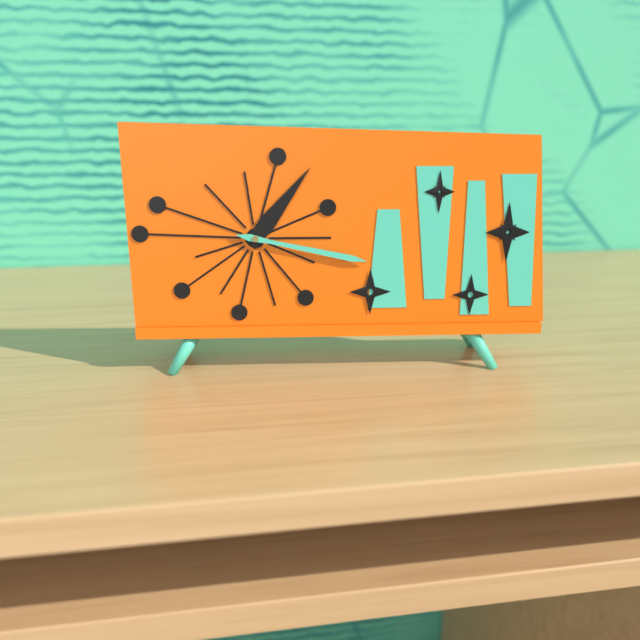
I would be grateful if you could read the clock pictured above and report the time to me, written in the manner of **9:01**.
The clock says **1:17**
